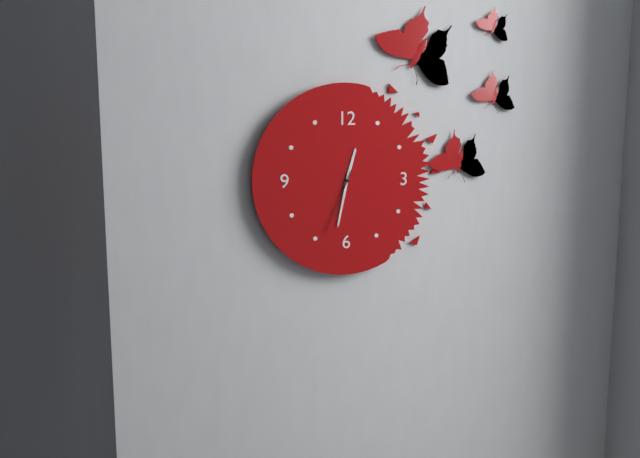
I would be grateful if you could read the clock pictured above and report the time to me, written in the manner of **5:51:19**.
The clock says **12:32:34**
